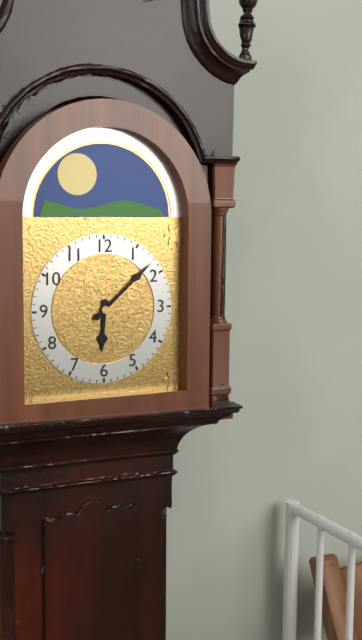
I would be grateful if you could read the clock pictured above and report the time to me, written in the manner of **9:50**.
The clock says **6:08**
